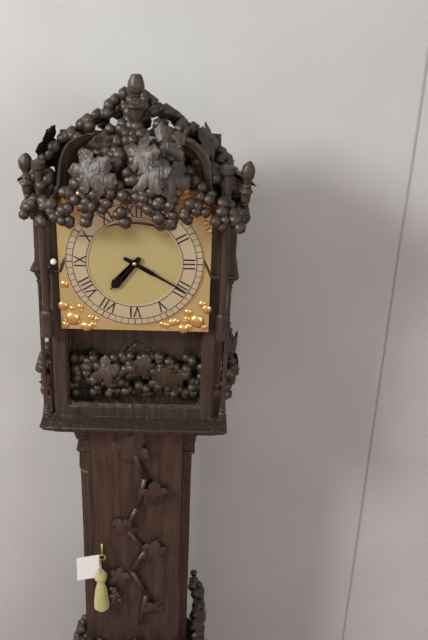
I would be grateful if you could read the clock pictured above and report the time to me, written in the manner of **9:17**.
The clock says **7:20**
